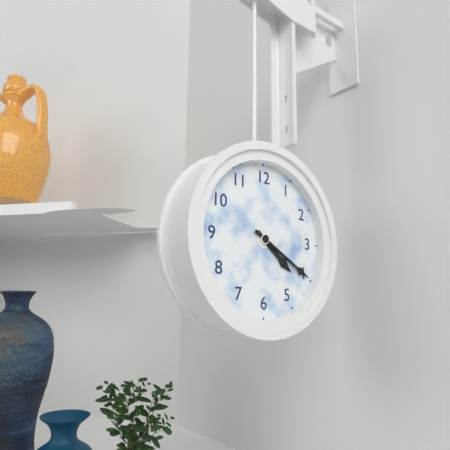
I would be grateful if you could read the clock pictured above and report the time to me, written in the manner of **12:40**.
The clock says **4:20**
